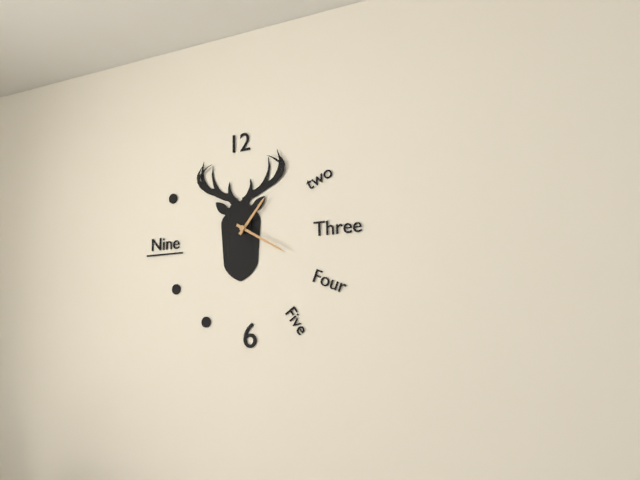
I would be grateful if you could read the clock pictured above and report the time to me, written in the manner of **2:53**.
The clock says **1:20**
